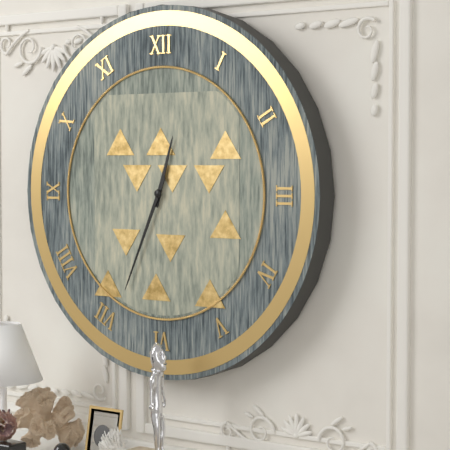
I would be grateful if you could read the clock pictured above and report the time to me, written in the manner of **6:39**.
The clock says **12:34**
